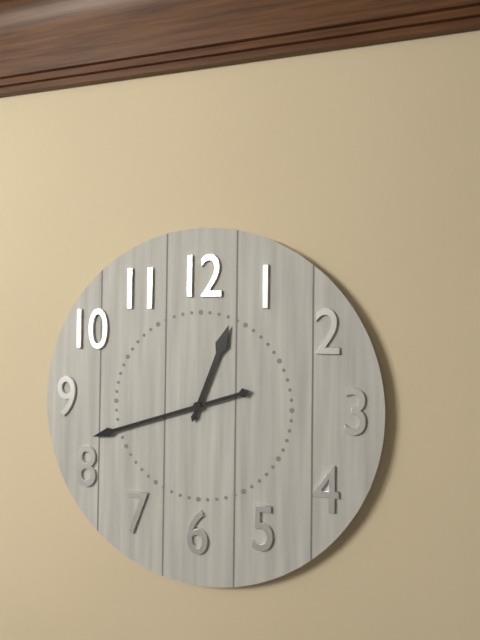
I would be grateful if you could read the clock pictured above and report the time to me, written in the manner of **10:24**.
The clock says **12:42**
